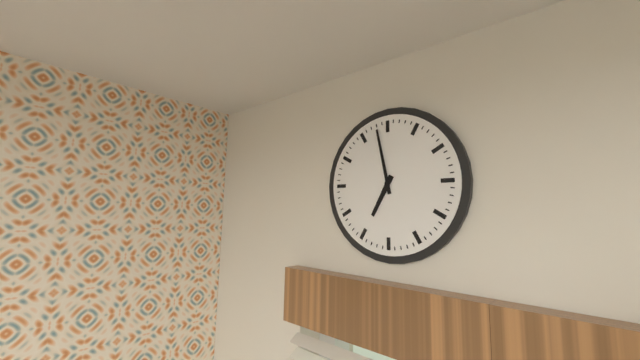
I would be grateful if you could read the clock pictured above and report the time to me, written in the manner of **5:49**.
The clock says **6:58**
